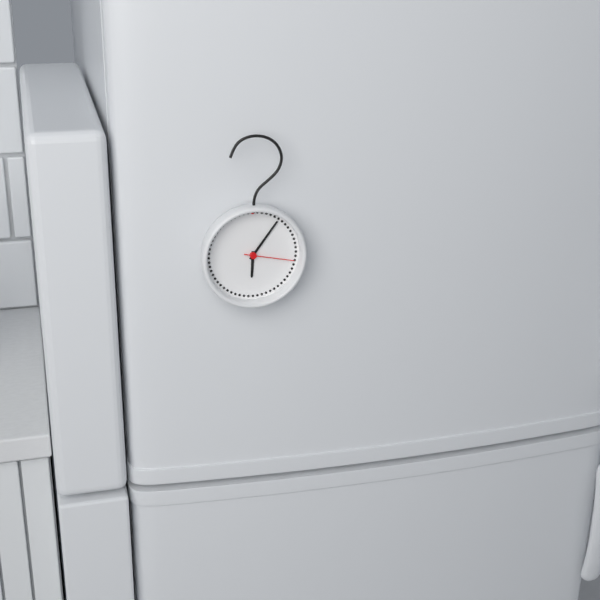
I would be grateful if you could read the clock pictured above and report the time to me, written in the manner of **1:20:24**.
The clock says **6:06:17**
